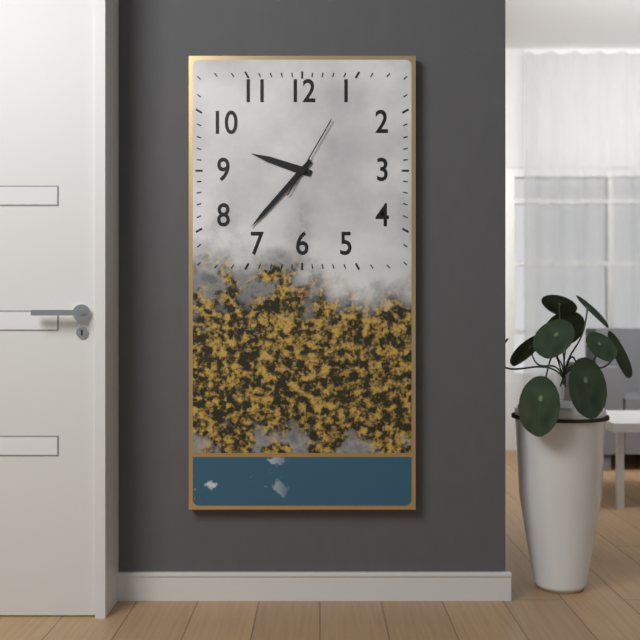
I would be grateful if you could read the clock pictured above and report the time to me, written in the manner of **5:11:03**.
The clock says **9:37:05**
